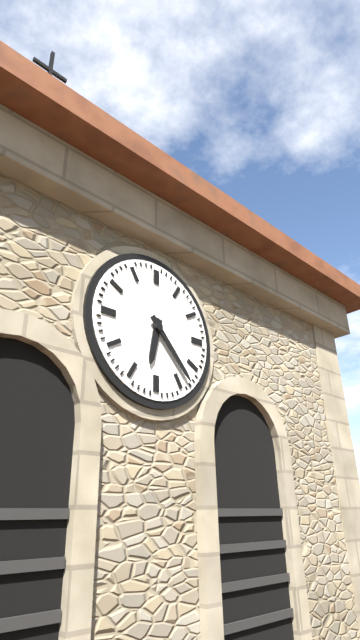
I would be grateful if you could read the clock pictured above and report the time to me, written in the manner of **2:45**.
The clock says **6:23**
